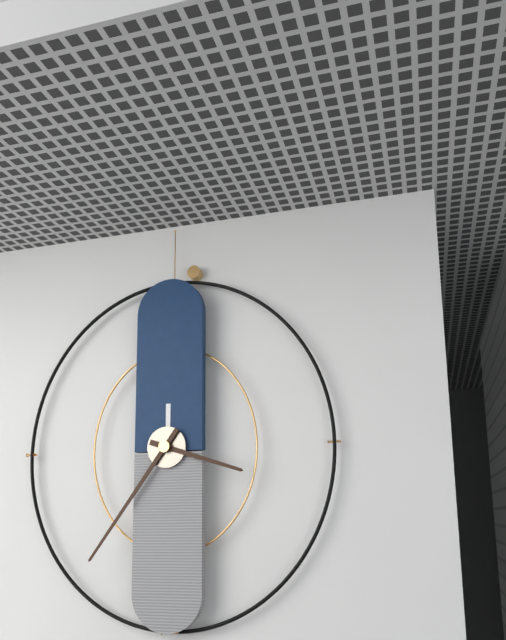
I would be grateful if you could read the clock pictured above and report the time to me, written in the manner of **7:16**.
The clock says **3:36**
